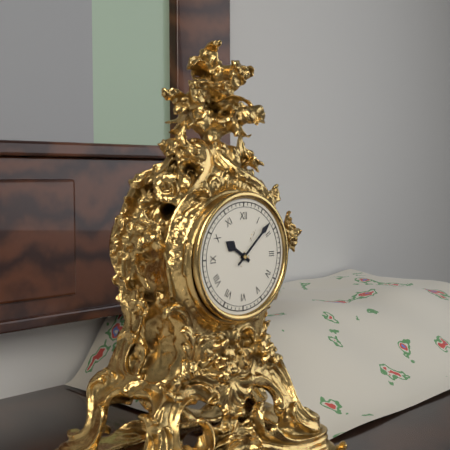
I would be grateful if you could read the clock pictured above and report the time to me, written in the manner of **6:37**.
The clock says **10:08**
